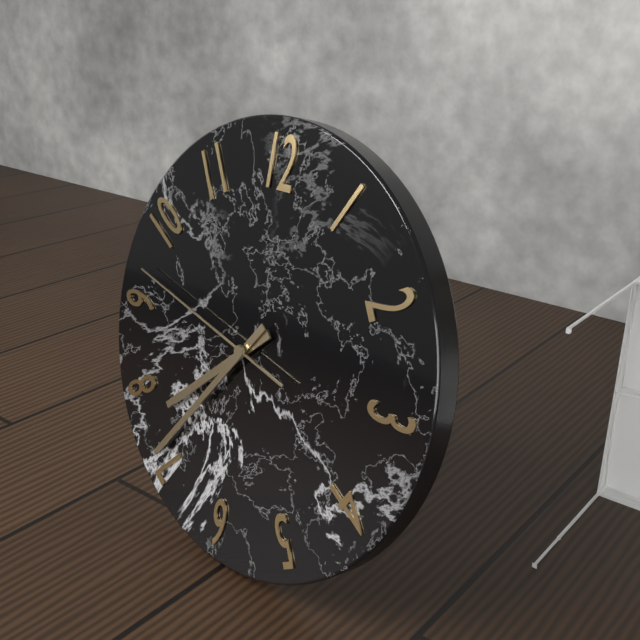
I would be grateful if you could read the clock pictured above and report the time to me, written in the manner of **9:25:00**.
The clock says **7:36:47**
